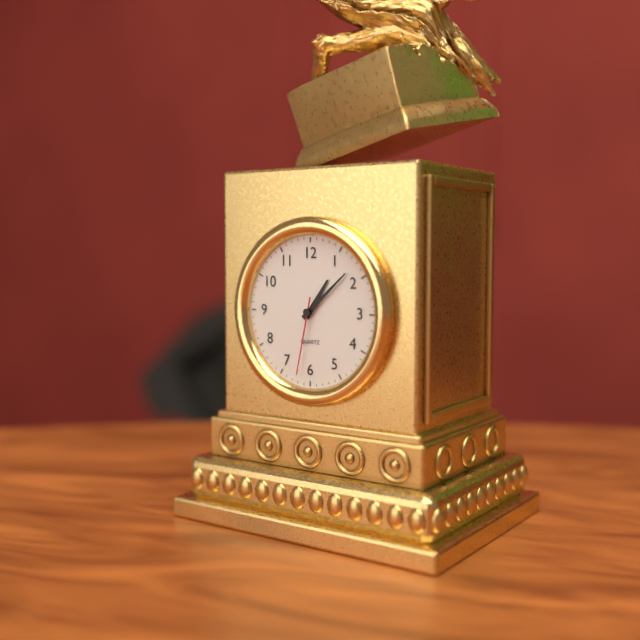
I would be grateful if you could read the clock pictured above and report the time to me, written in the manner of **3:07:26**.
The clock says **1:08:32**
